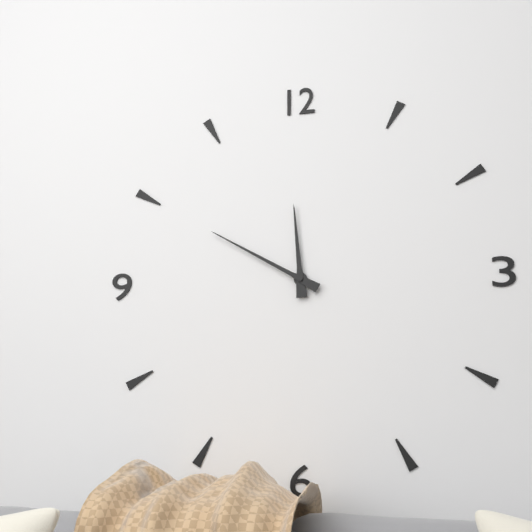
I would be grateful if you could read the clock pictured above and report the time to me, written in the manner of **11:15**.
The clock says **11:50**
